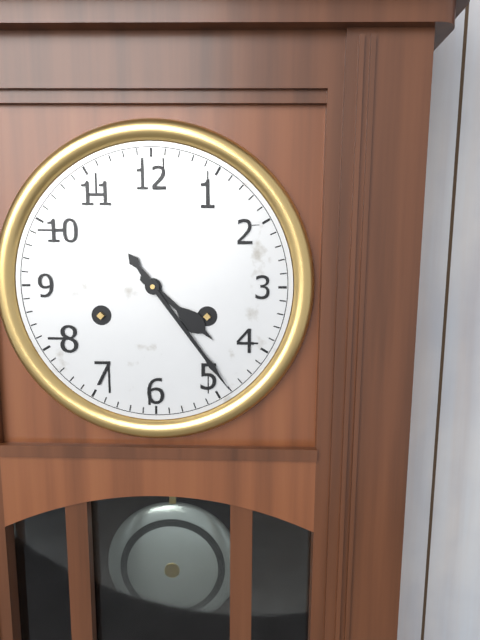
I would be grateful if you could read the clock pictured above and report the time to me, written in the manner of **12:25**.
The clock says **4:24**
